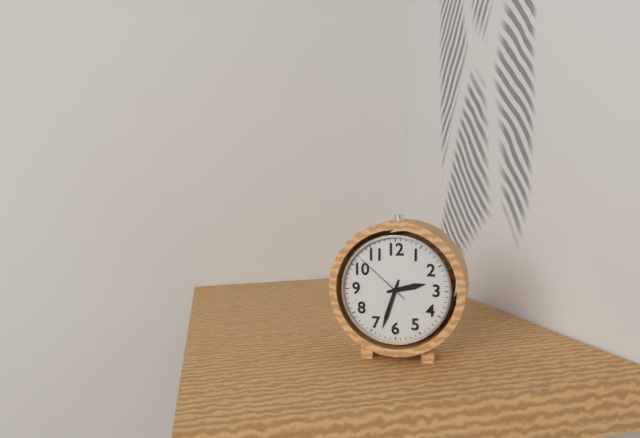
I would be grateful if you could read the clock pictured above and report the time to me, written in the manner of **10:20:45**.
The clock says **2:33:52**
